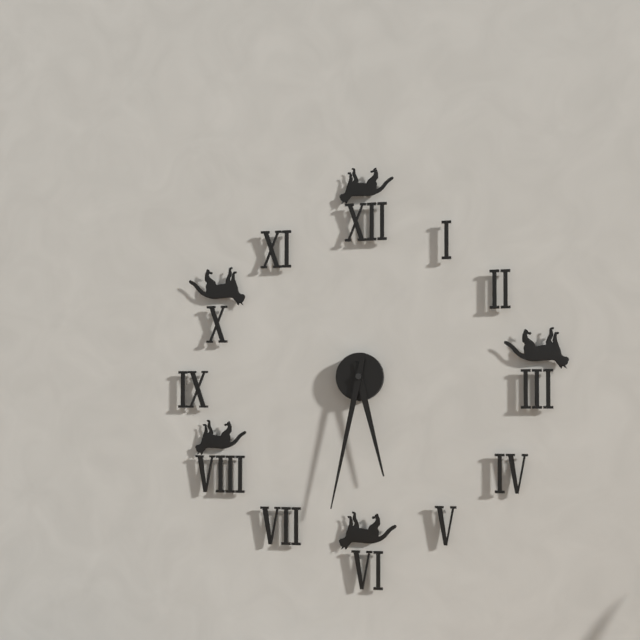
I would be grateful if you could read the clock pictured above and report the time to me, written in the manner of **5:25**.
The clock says **5:32**
